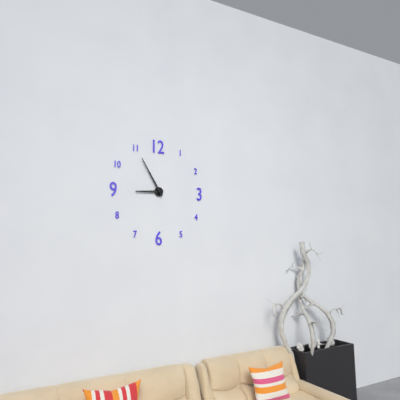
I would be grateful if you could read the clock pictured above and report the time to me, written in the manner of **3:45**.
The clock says **8:55**
